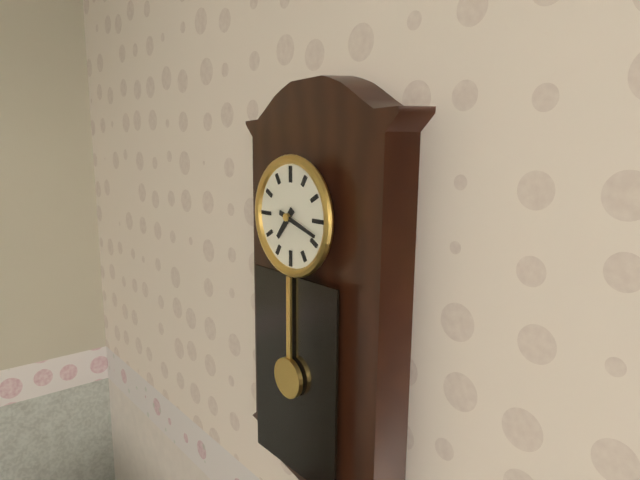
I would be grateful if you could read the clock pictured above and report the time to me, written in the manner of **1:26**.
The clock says **7:18**
